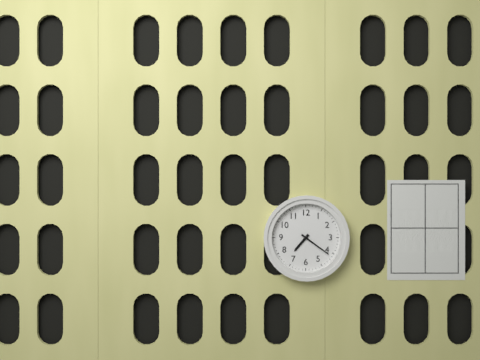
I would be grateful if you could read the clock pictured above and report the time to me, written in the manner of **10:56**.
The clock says **7:21**
